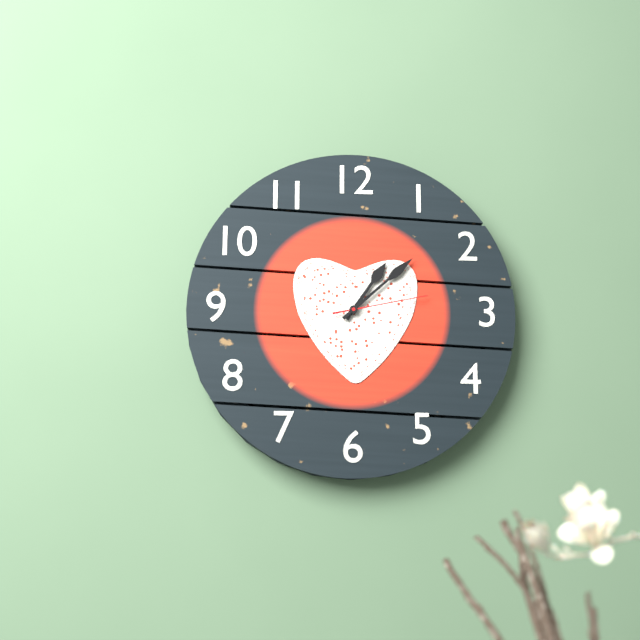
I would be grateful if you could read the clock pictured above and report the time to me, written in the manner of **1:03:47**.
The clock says **1:08:13**
